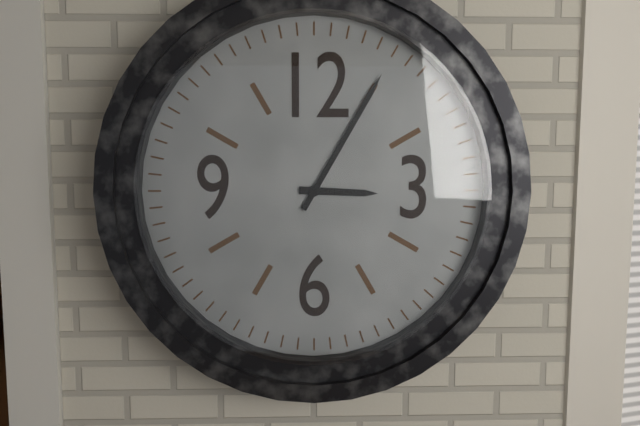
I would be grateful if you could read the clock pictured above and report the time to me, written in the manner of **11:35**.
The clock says **3:05**
